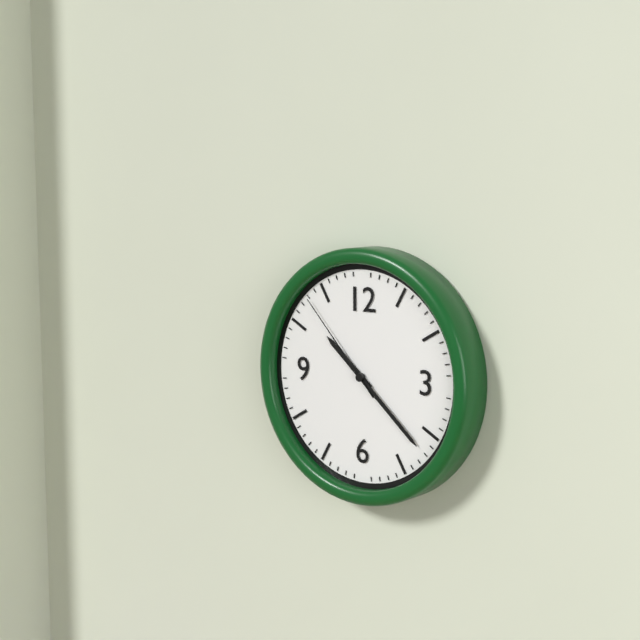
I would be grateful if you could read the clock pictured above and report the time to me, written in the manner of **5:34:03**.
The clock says **10:22:53**
